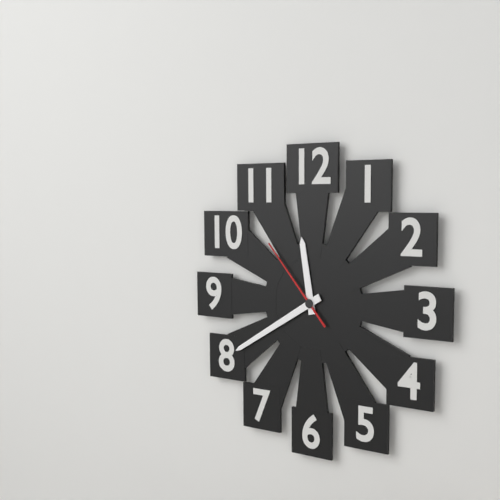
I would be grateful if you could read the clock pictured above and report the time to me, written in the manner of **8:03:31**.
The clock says **11:40:53**
